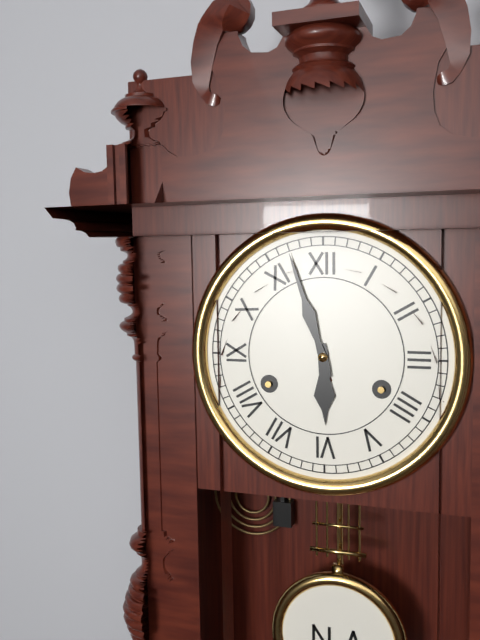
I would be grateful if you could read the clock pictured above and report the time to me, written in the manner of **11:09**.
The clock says **5:57**
